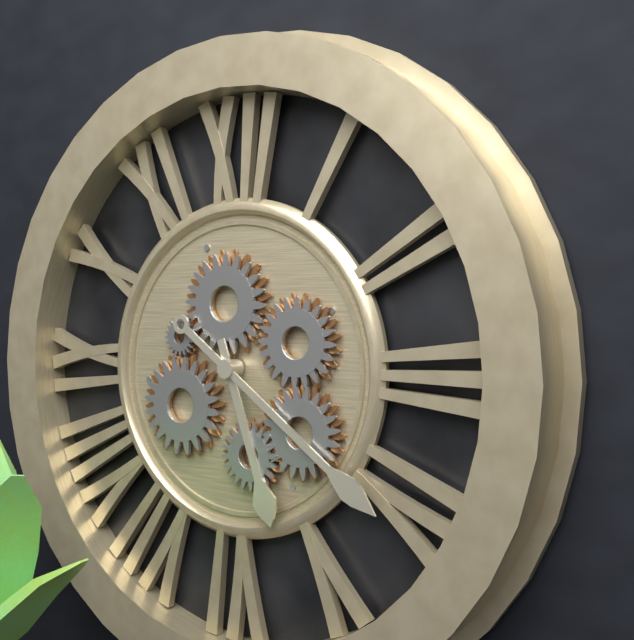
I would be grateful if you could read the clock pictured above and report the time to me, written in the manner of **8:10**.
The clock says **5:21**
